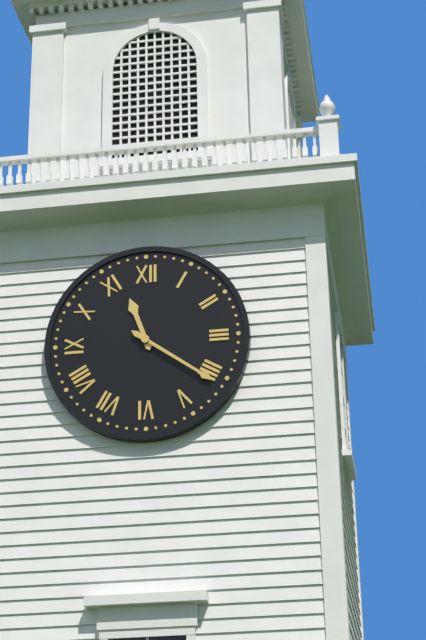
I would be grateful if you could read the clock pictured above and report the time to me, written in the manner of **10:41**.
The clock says **11:21**
